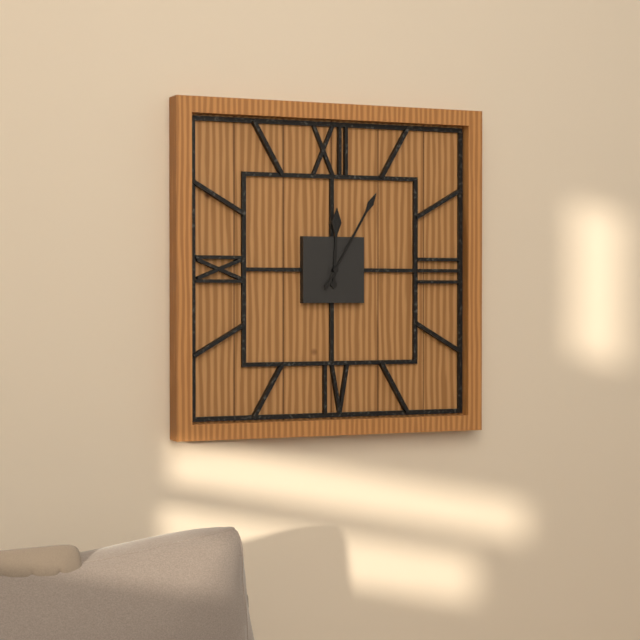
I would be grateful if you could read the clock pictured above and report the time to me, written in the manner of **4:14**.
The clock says **12:05**
